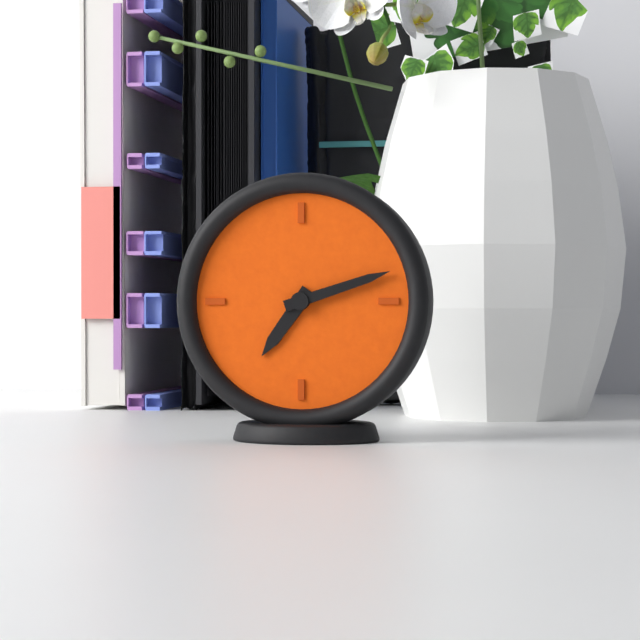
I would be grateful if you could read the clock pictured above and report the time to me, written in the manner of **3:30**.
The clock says **7:12**
